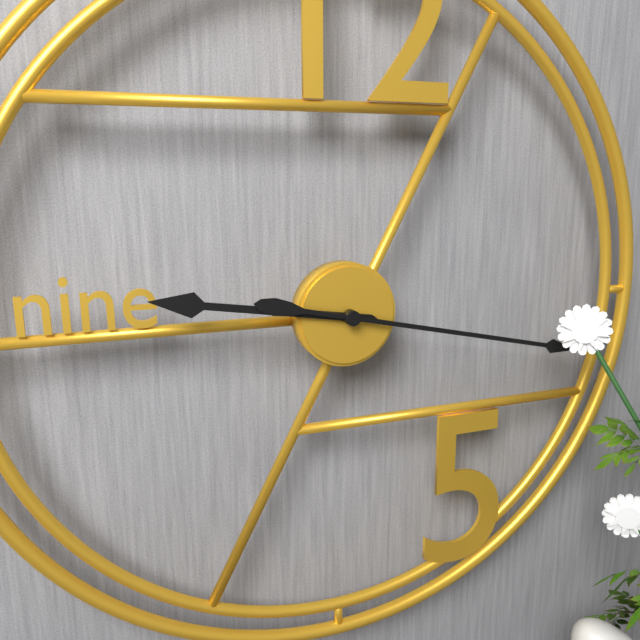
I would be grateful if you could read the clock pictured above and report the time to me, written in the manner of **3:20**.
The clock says **9:17**
